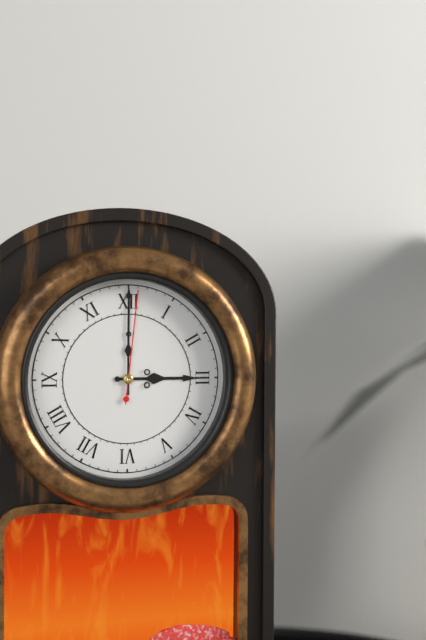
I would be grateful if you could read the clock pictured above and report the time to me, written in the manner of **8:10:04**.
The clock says **3:00:01**
